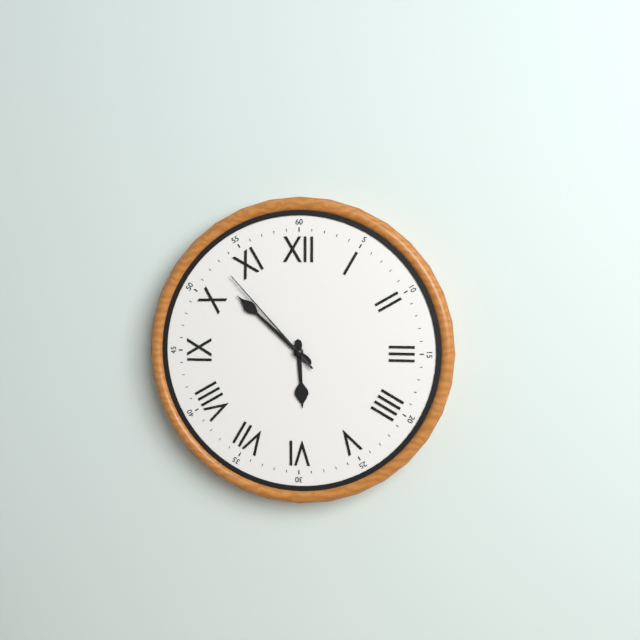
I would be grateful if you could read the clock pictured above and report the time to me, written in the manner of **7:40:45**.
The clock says **5:52:53**
